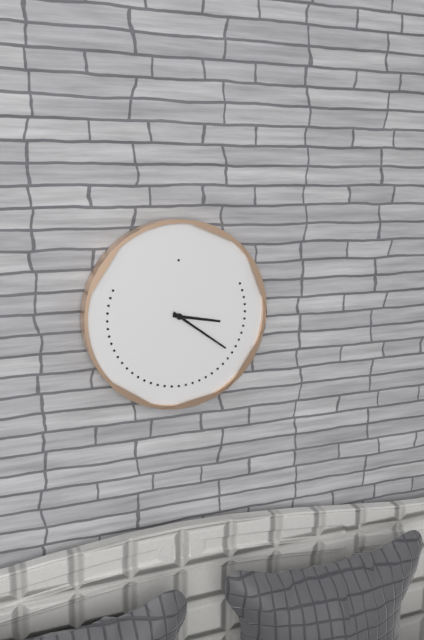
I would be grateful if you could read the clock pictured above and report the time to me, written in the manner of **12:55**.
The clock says **3:21**
